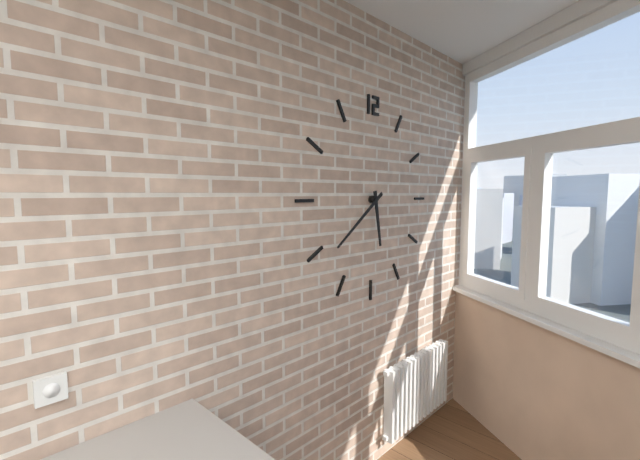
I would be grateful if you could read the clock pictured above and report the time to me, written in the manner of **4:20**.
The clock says **5:39**
